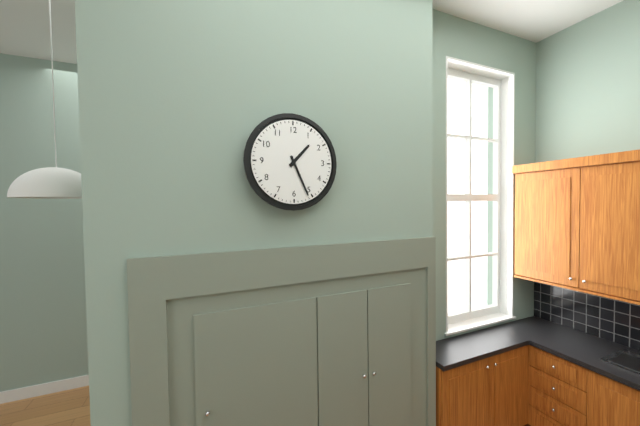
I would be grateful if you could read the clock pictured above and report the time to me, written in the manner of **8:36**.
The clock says **1:26**
